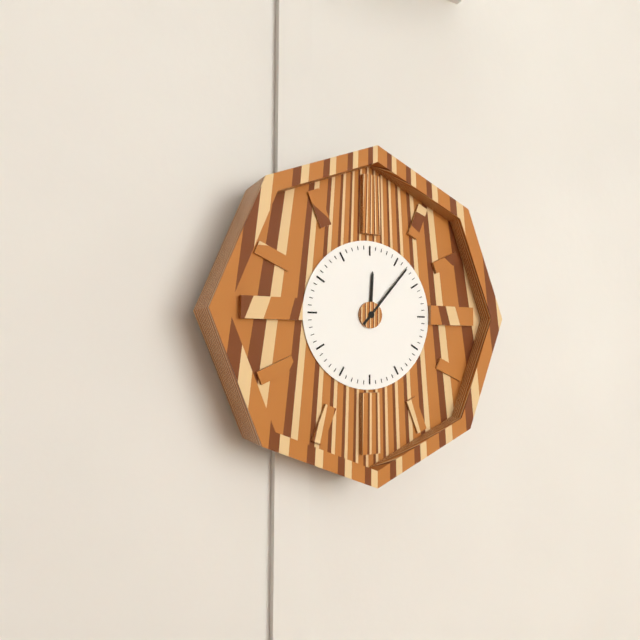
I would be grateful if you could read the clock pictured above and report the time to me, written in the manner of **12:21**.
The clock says **12:07**
